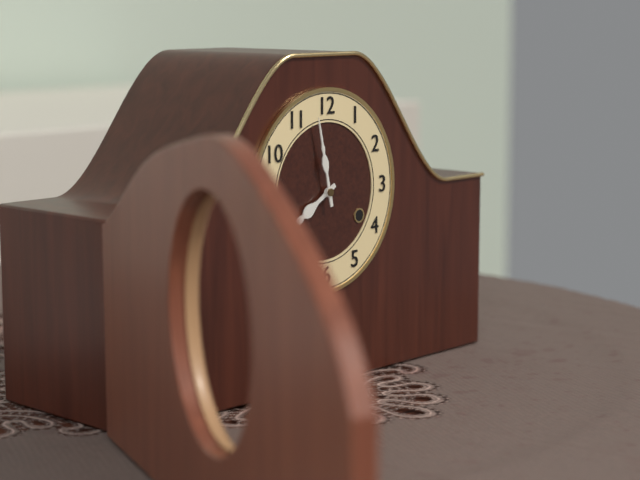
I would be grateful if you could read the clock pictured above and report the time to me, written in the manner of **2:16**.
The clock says **7:58**
